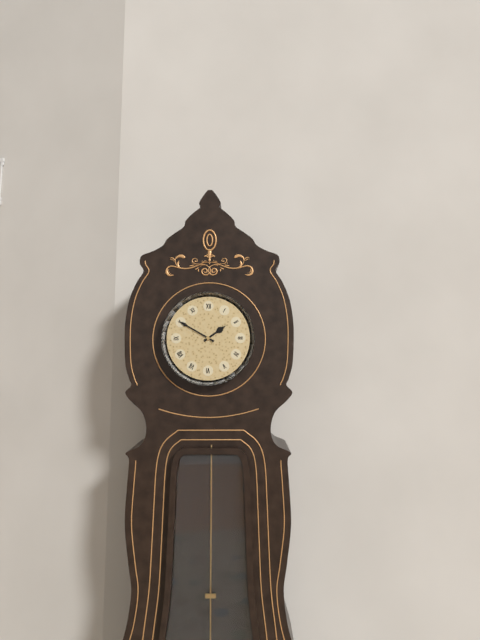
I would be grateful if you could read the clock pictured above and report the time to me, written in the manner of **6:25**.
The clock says **1:50**
